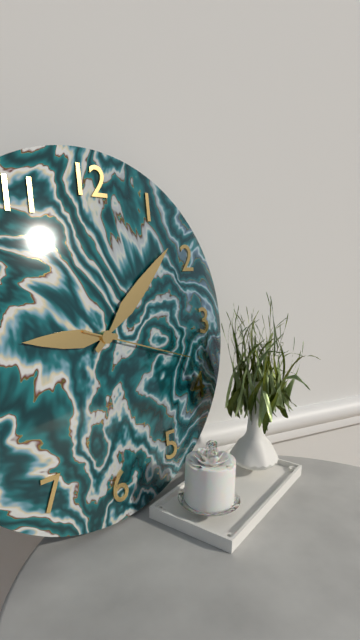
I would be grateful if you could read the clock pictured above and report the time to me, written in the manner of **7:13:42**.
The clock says **9:08:18**
